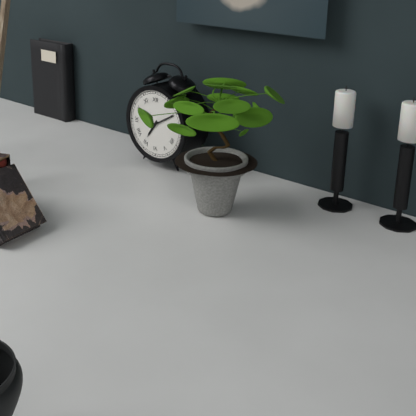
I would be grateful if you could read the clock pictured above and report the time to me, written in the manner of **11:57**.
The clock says **7:10**
